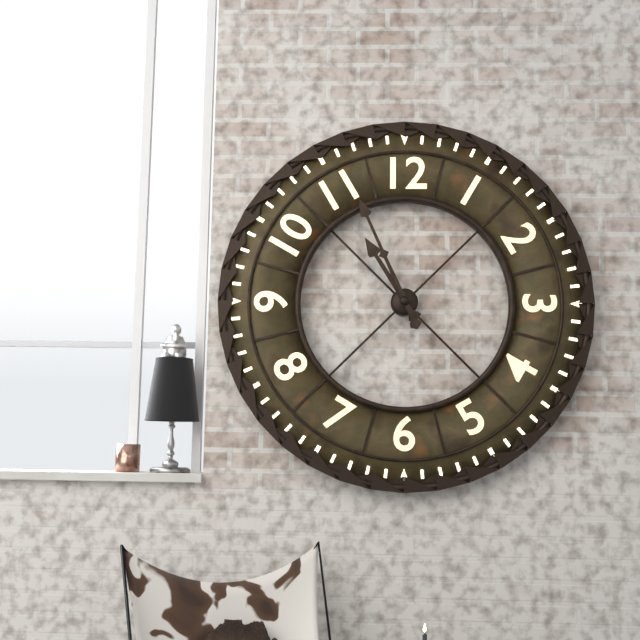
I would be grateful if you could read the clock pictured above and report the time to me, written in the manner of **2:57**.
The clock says **10:56**
